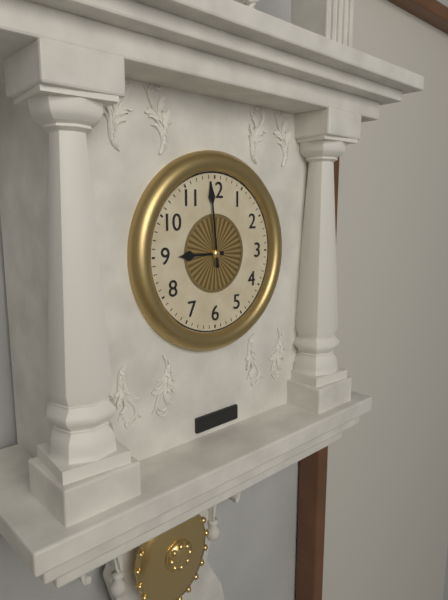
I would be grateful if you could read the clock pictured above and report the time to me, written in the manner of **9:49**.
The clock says **8:59**
